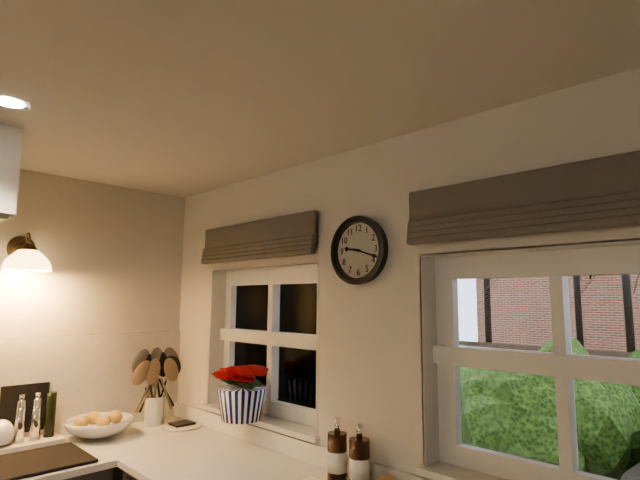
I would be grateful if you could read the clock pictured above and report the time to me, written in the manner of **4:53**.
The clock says **9:18**
